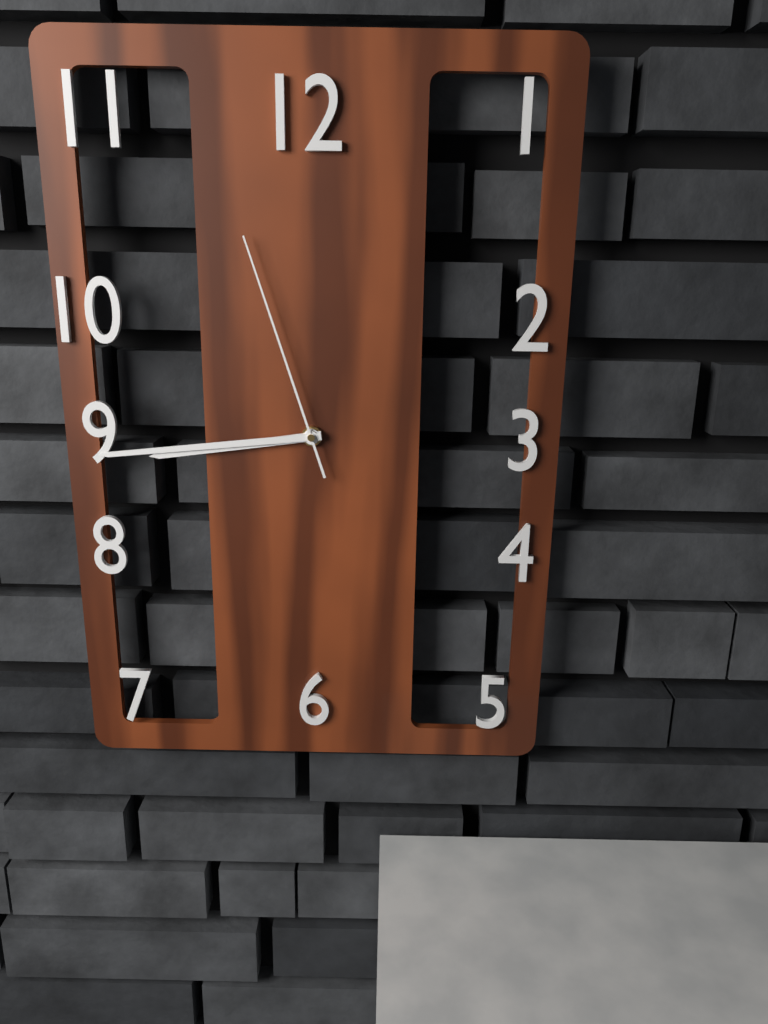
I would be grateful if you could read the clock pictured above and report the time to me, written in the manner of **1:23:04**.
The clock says **8:44:57**
